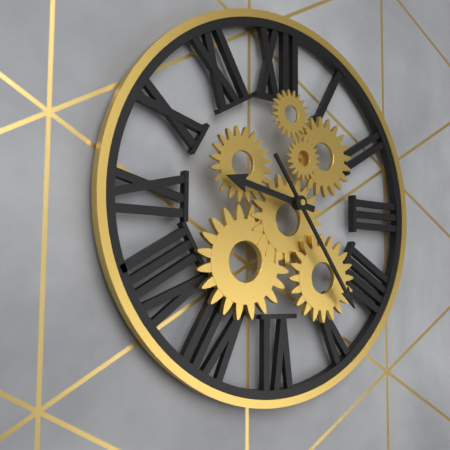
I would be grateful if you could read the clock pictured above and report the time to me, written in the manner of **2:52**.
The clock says **9:24**
